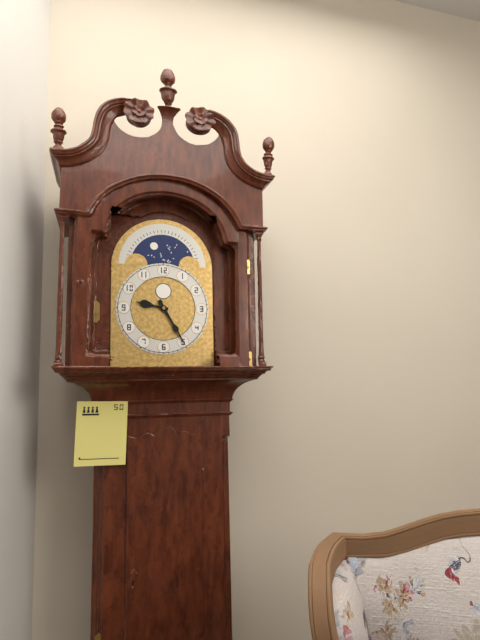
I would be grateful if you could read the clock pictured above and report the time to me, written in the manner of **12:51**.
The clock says **9:25**
